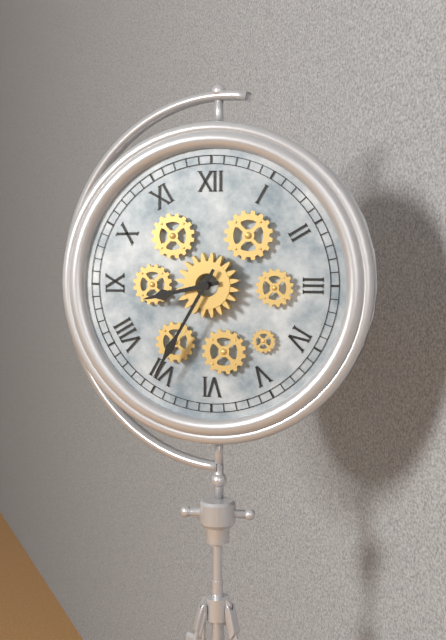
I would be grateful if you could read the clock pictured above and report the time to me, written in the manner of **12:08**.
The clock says **8:35**
